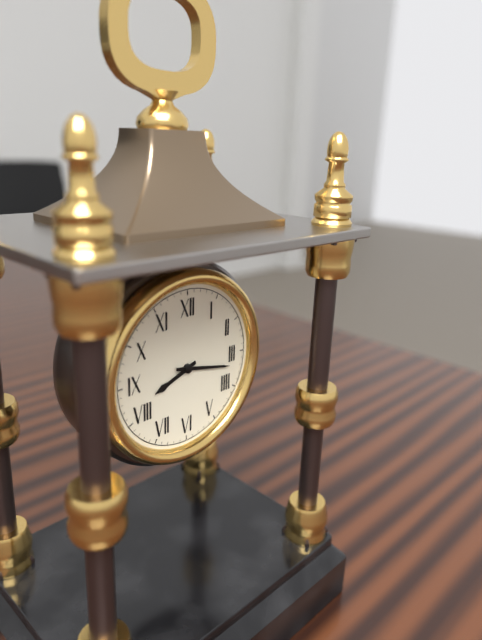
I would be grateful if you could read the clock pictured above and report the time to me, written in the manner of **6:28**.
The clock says **8:17**
